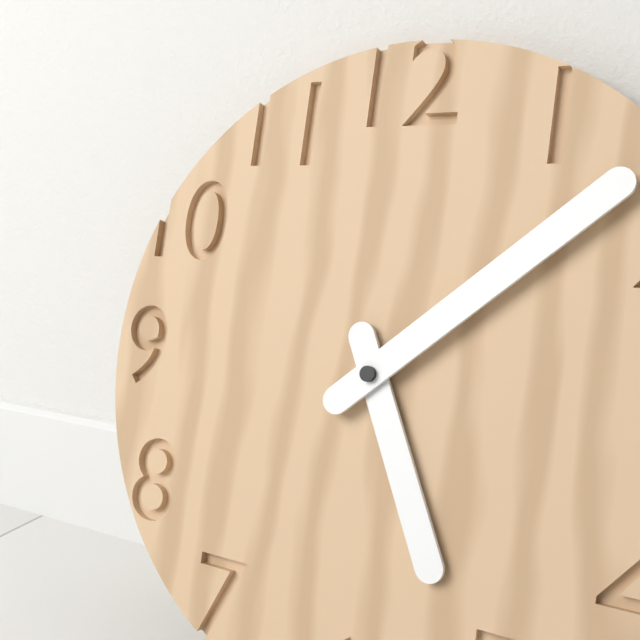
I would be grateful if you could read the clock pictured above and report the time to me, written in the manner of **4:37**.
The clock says **5:08**
